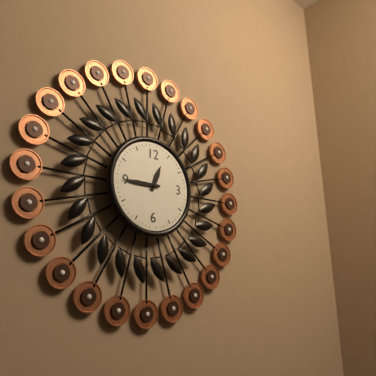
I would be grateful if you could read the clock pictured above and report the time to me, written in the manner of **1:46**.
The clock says **12:45**
